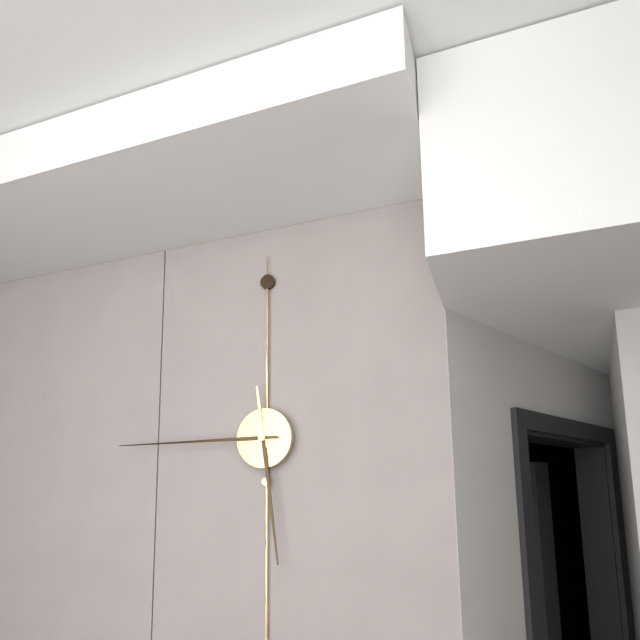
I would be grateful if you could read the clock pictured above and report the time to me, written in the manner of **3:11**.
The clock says **5:45**
